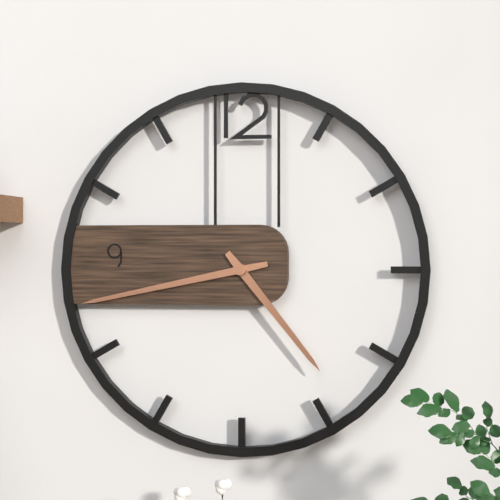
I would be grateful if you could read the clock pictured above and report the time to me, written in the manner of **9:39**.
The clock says **4:43**
